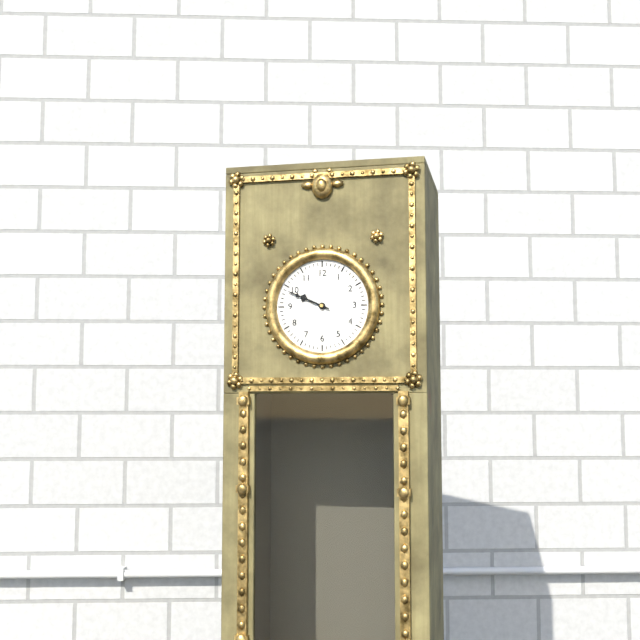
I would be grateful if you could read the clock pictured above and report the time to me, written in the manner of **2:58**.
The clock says **9:49**
